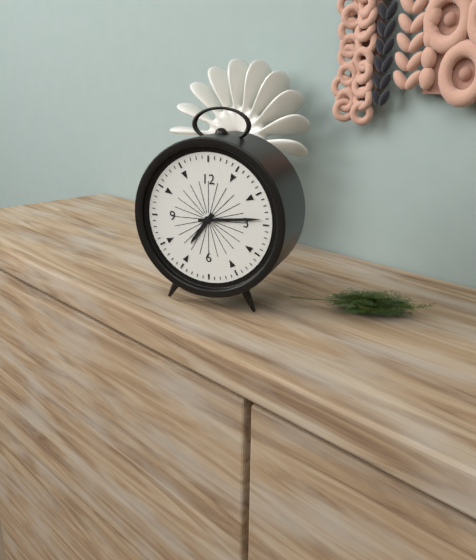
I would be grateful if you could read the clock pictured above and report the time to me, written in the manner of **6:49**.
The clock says **7:14**
